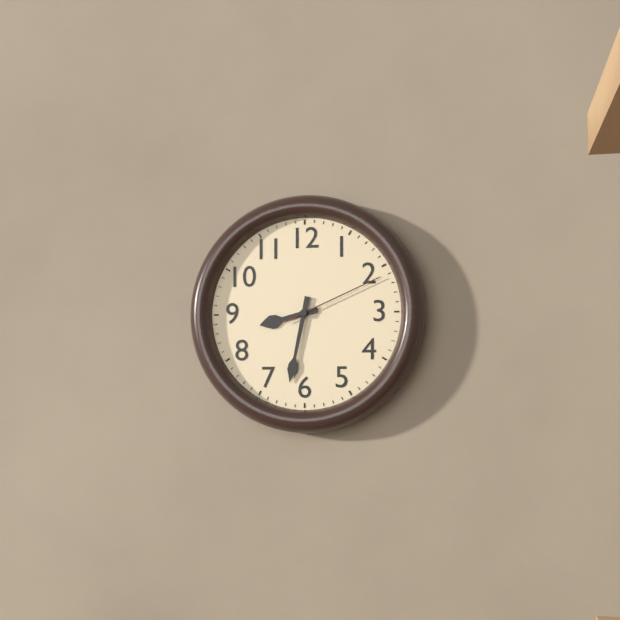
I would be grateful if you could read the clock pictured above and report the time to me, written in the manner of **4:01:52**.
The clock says **8:32:11**
